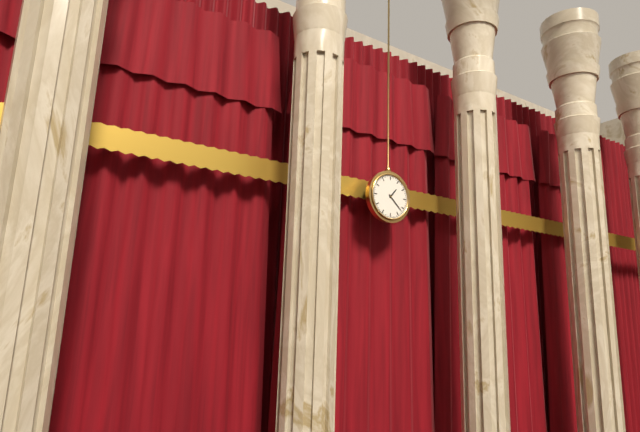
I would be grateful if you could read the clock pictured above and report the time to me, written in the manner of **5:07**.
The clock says **1:22**
